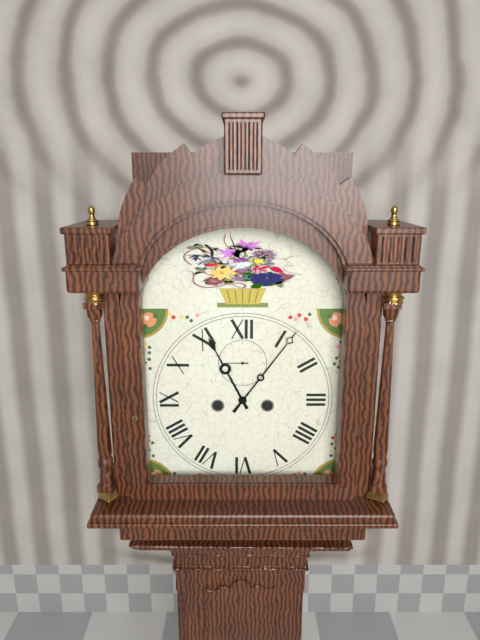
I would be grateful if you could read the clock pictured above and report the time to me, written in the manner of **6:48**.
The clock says **11:06**
